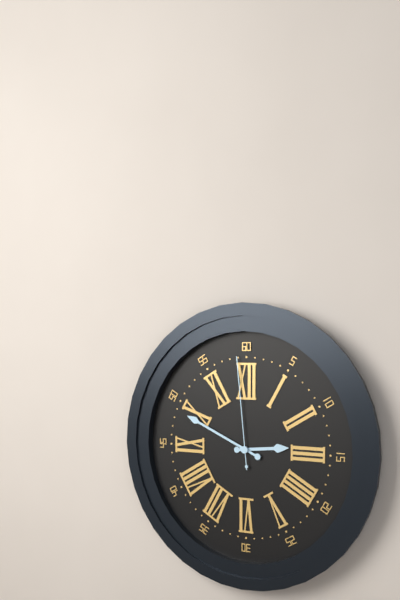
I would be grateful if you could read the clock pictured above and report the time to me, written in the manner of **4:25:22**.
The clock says **2:49:59**
